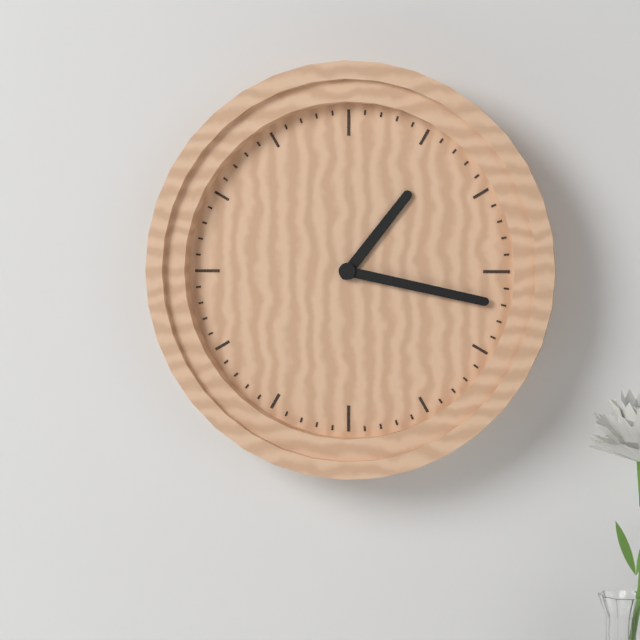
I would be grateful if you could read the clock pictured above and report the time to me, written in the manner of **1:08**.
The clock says **1:17**
